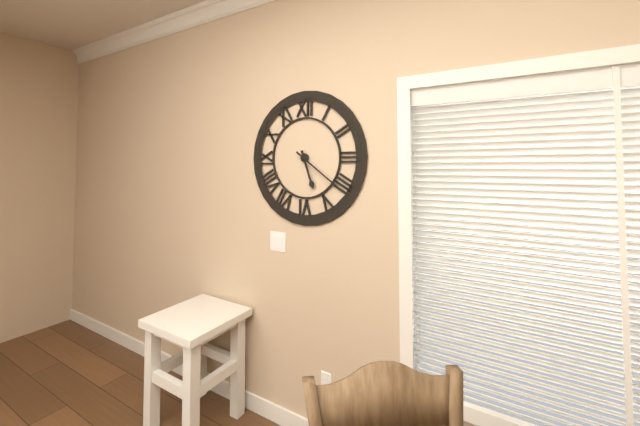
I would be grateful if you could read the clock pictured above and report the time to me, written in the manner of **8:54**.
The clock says **5:21**
